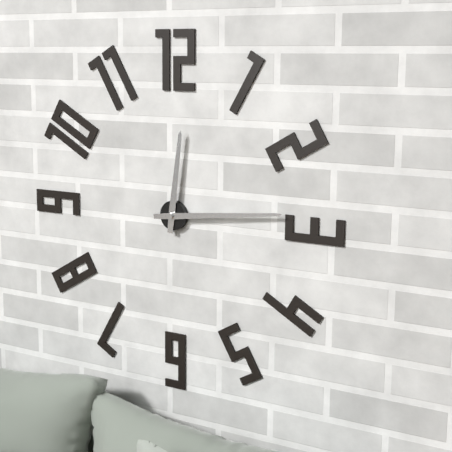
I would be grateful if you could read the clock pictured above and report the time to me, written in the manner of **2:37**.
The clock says **12:14**
